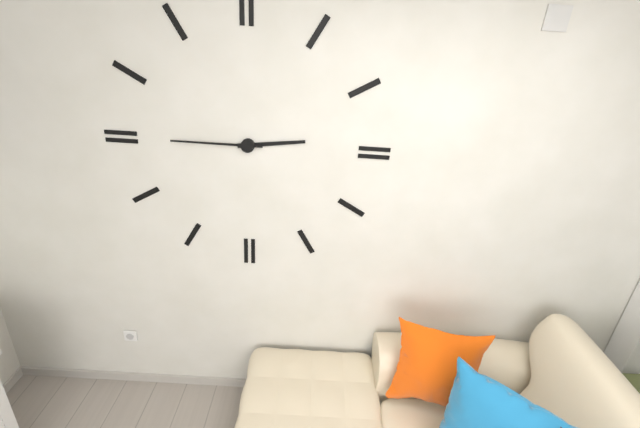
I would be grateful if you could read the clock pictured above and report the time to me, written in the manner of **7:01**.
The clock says **2:45**
